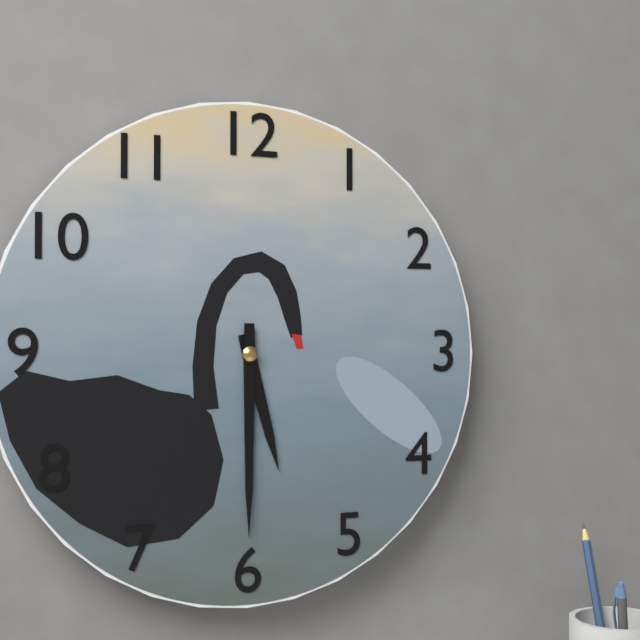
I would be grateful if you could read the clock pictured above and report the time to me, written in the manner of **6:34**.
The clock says **5:30**
